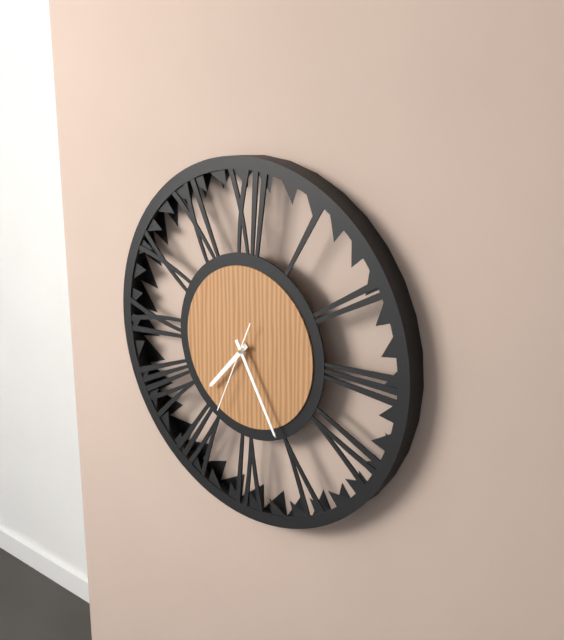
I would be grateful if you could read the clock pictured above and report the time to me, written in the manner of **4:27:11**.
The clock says **7:25:34**
